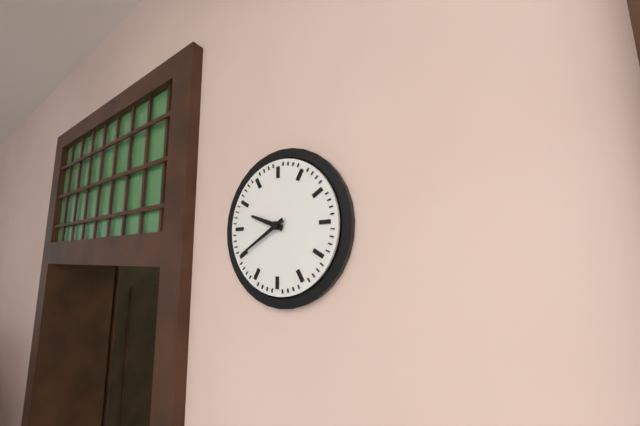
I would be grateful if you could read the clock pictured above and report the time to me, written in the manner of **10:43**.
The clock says **9:40**
